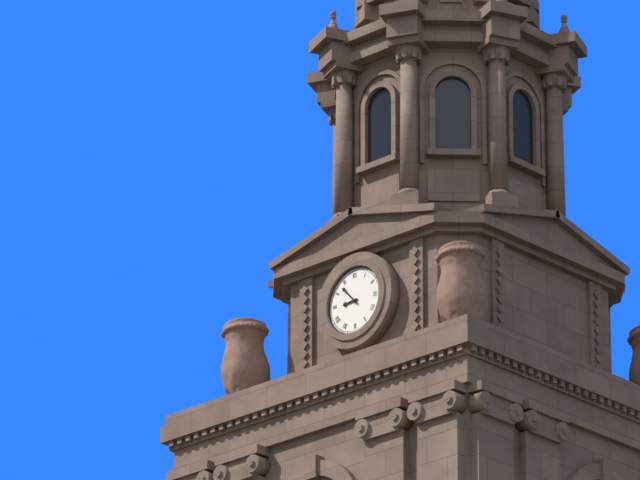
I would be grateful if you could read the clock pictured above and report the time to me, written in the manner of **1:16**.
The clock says **8:53**
